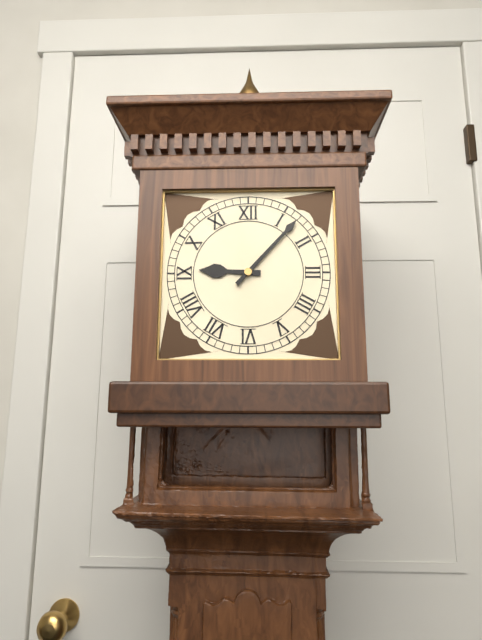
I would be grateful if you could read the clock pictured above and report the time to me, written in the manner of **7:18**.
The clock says **9:07**
